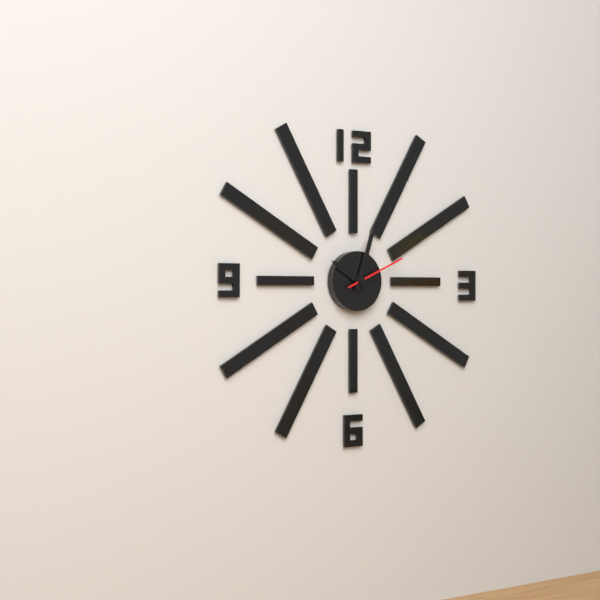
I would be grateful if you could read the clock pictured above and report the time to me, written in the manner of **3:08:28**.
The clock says **10:03:11**
